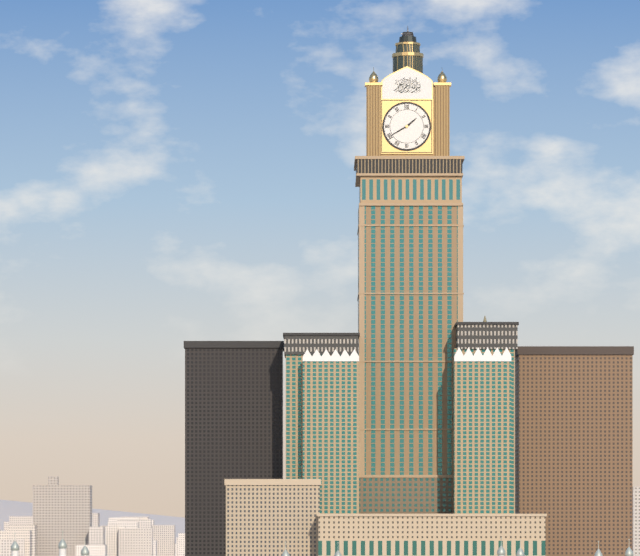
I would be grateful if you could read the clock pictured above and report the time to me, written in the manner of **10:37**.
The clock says **1:40**
